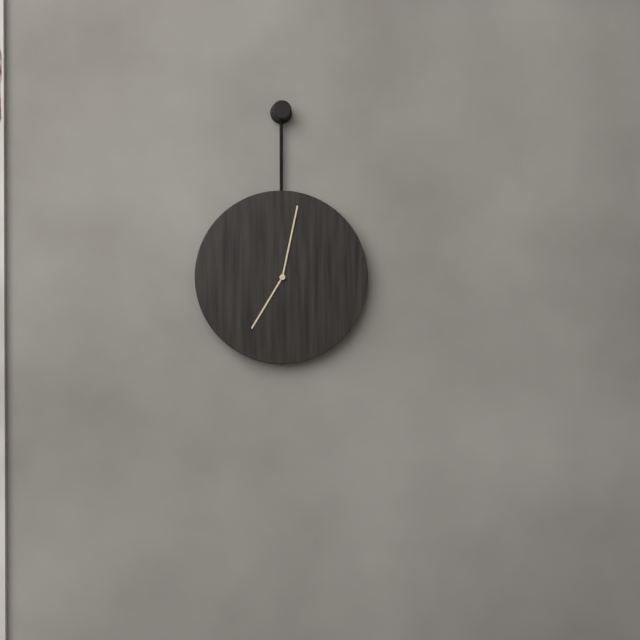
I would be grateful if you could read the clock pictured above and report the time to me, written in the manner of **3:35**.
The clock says **7:02**
